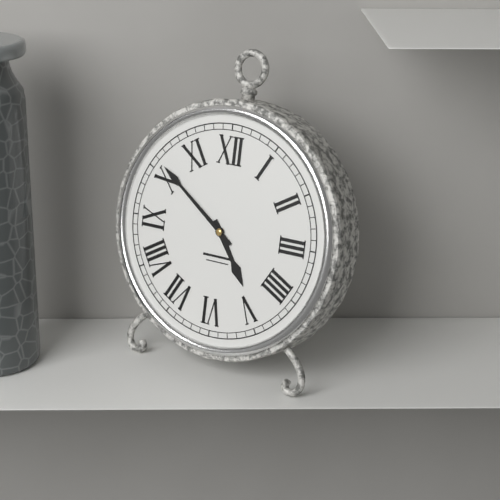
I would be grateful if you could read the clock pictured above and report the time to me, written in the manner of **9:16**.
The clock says **4:51**
